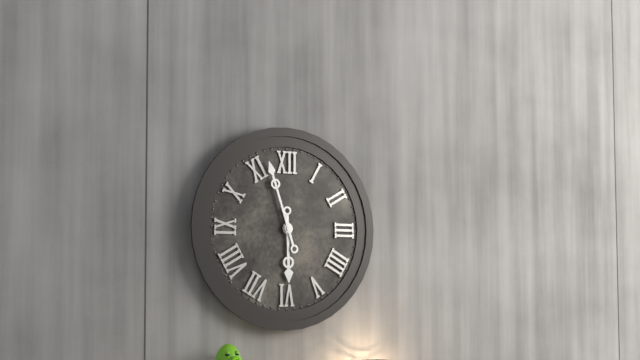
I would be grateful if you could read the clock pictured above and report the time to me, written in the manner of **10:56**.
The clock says **5:57**
